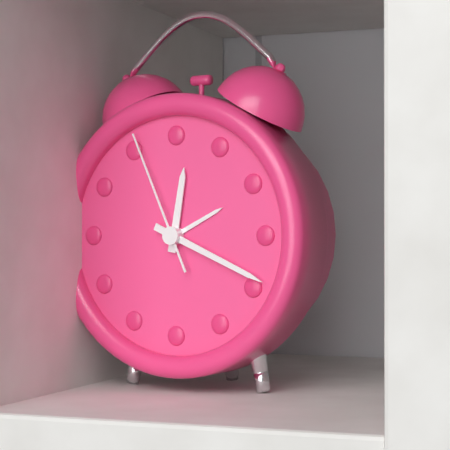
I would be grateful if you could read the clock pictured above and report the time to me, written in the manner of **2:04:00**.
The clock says **12:19:56**
